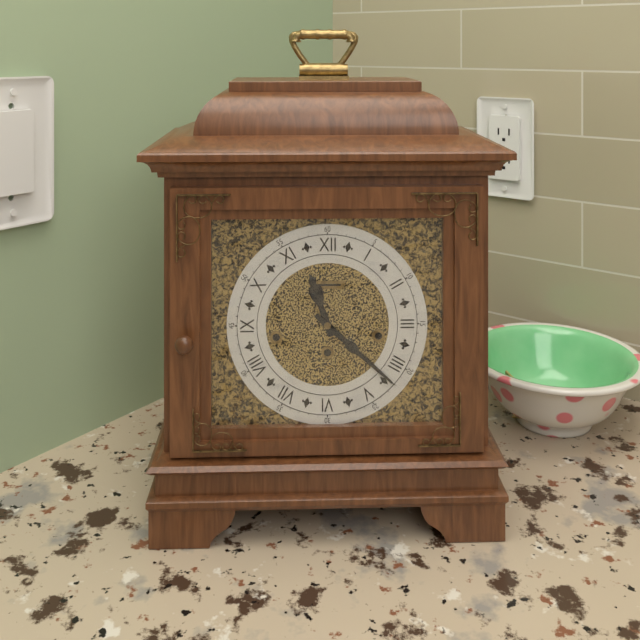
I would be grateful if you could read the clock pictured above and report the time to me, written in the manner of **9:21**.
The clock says **11:22**
